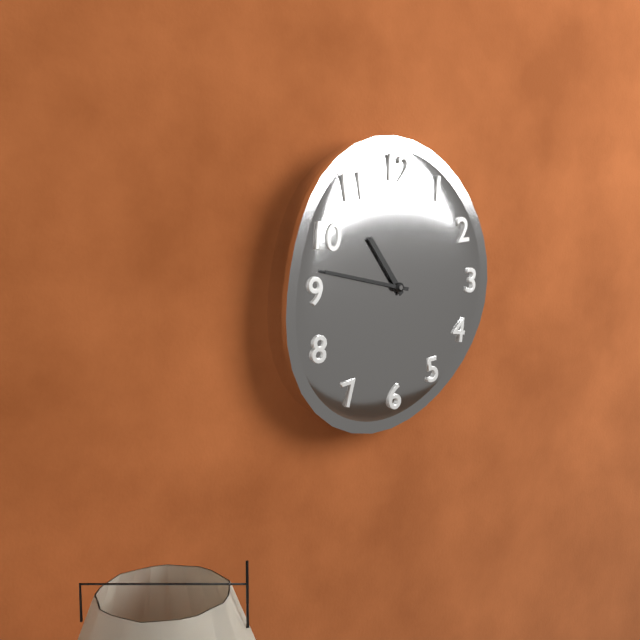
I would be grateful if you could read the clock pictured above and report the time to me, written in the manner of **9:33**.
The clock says **10:47**
